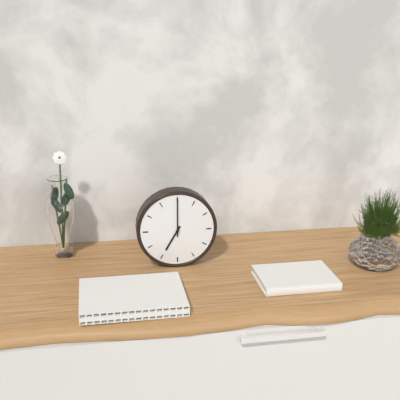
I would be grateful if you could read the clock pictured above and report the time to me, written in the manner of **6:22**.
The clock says **7:00**
